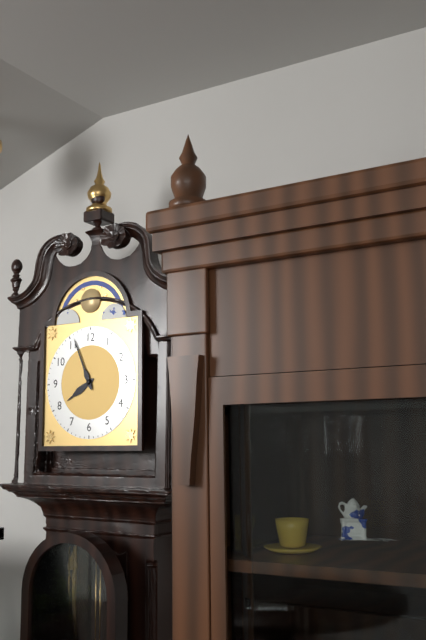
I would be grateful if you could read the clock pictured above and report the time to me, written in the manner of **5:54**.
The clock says **7:56**
